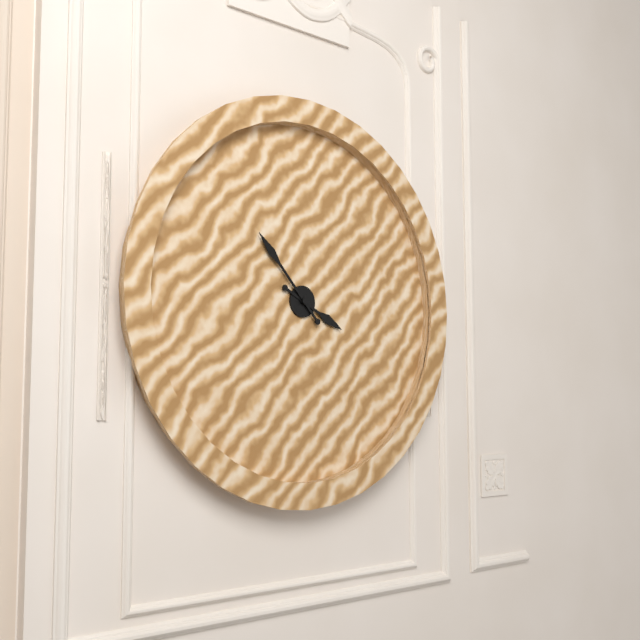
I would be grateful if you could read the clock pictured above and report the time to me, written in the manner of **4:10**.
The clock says **3:53**
